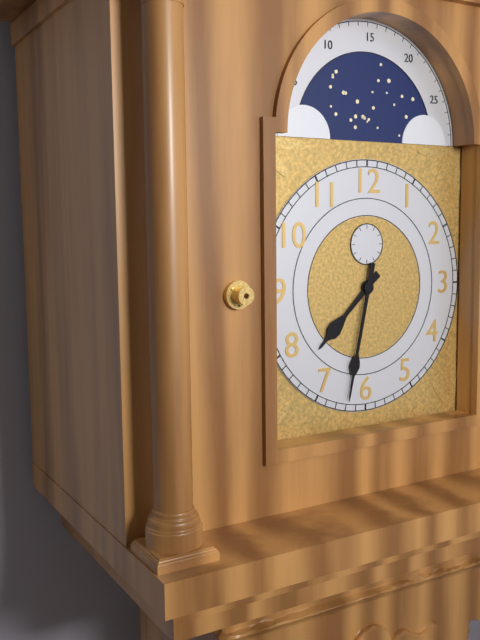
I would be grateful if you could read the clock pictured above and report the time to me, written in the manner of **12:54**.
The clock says **7:32**
